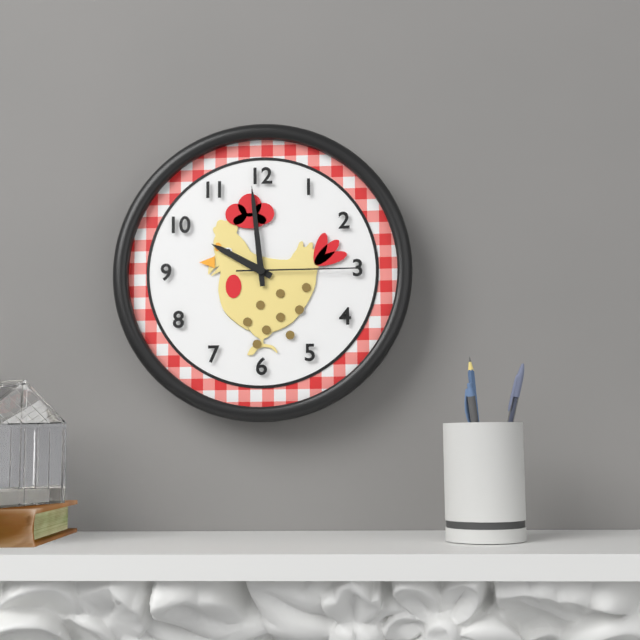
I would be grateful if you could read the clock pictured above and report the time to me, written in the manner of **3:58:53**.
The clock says **9:59:15**
